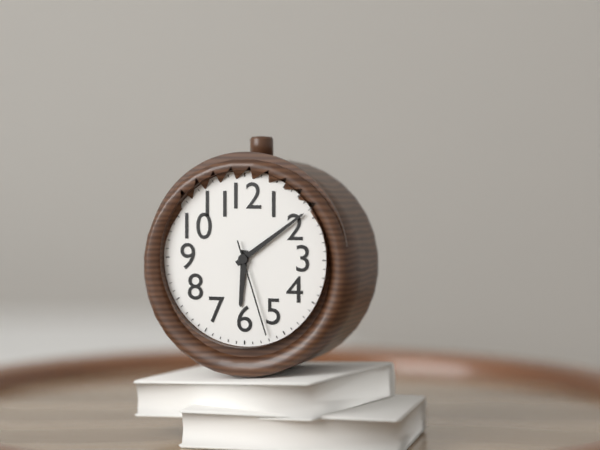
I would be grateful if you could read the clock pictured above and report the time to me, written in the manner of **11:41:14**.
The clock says **6:09:27**
